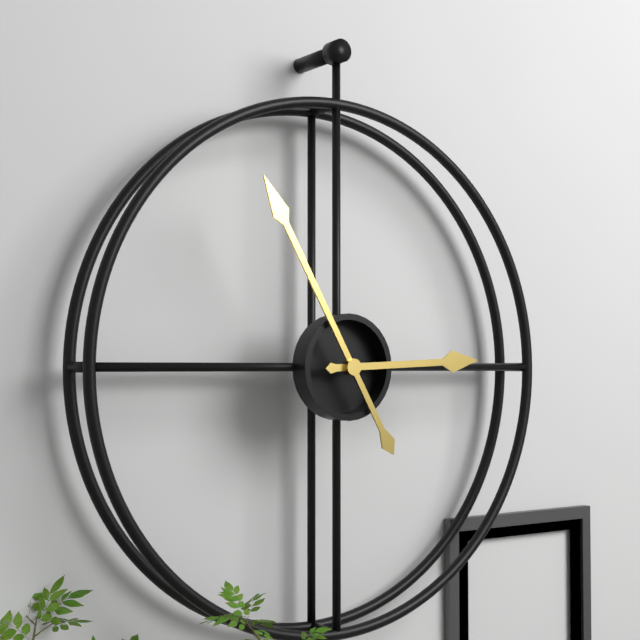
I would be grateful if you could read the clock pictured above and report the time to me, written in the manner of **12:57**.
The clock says **2:55**
